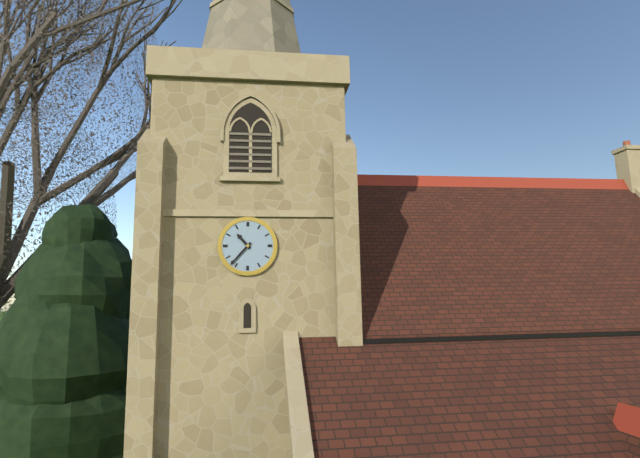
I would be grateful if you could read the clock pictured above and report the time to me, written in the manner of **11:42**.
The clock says **10:37**
